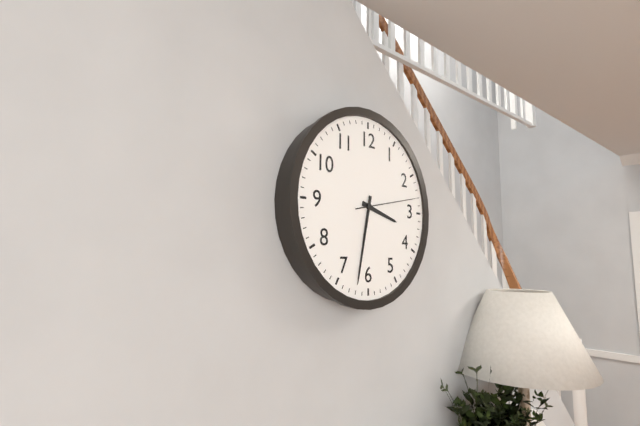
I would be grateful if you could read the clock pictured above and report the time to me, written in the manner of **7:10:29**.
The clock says **3:32:13**
